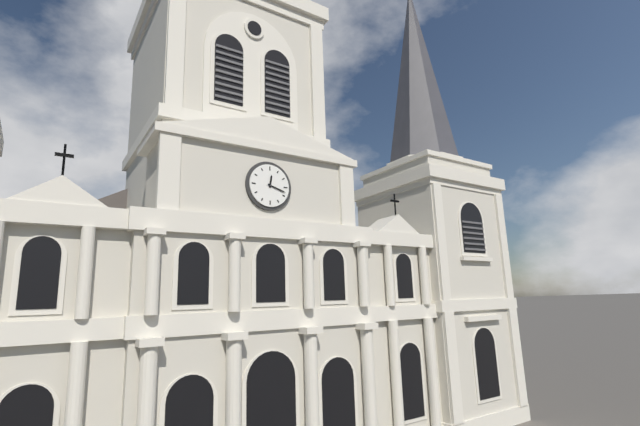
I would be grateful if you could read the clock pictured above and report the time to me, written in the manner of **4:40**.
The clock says **12:18**
